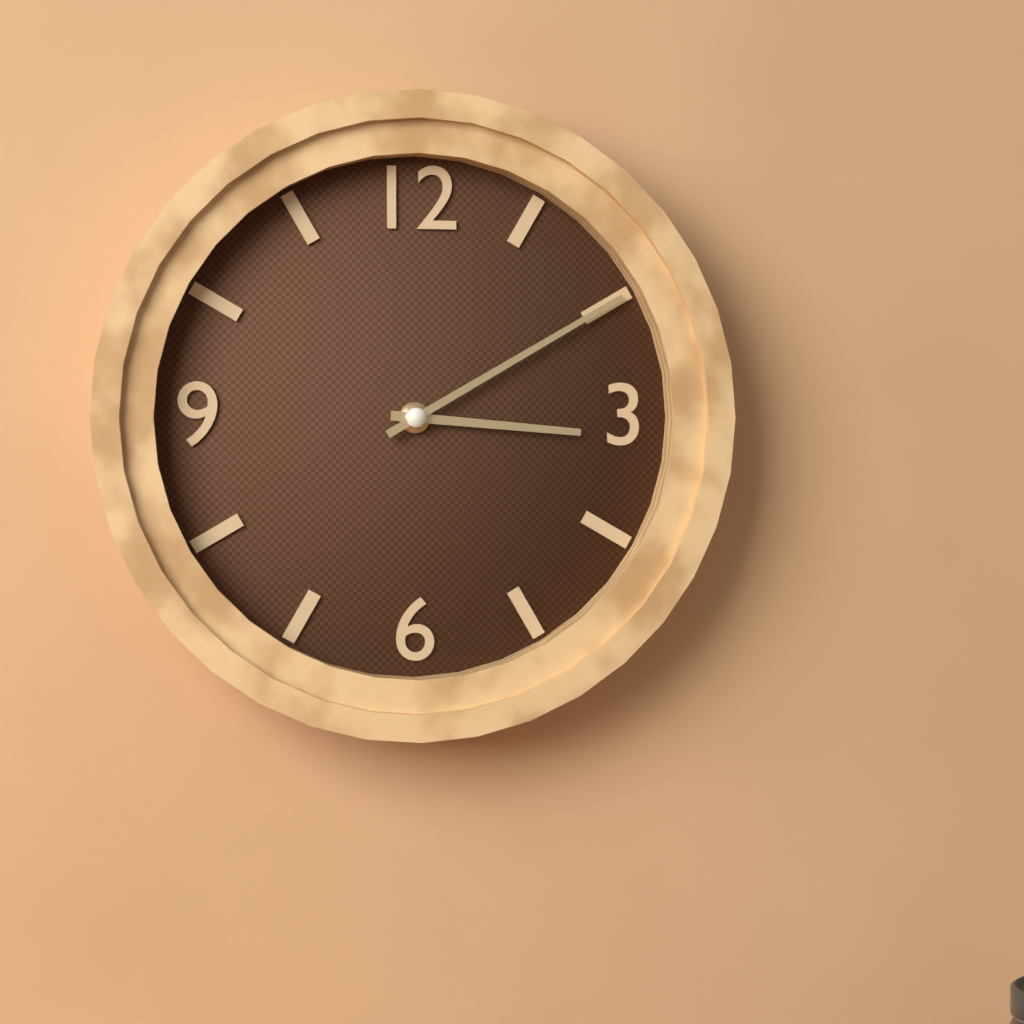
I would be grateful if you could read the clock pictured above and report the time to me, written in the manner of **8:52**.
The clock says **3:10**
